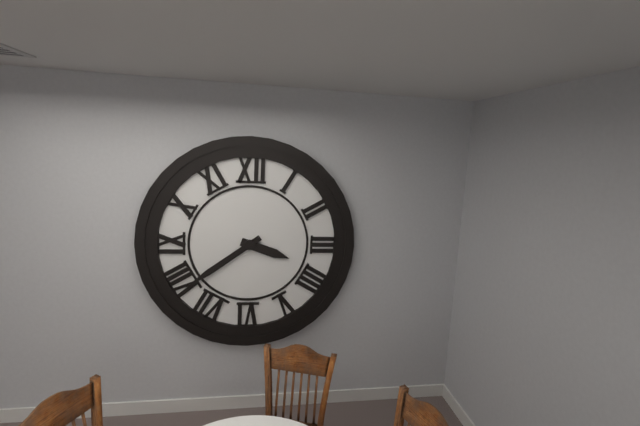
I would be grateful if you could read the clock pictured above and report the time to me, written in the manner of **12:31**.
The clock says **3:39**
